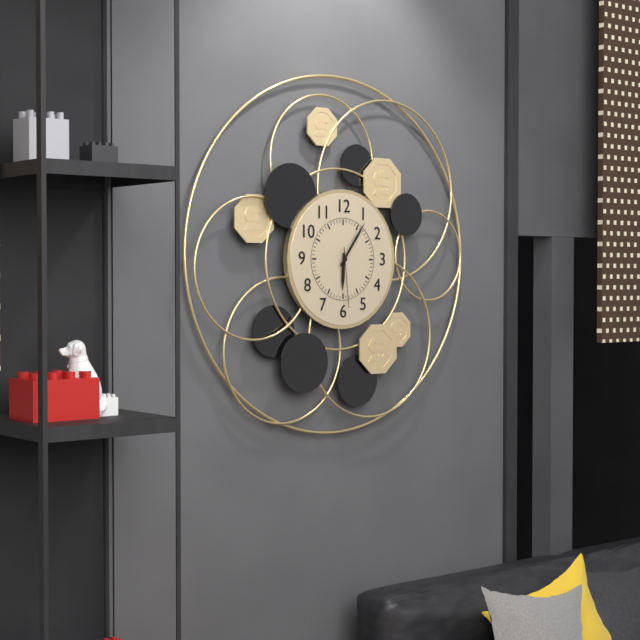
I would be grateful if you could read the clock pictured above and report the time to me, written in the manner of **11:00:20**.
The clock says **6:06:29**
